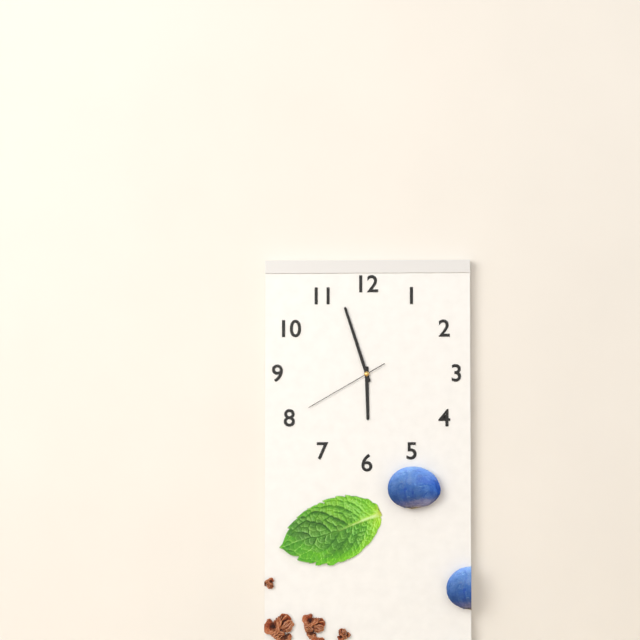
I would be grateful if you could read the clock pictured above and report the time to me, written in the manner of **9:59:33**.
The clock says **5:57:40**
